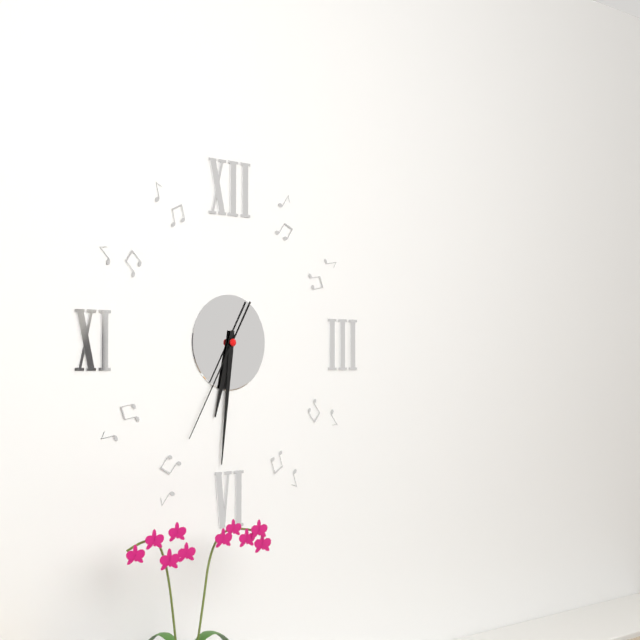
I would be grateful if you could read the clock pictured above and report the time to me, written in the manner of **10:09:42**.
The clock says **6:31:35**
